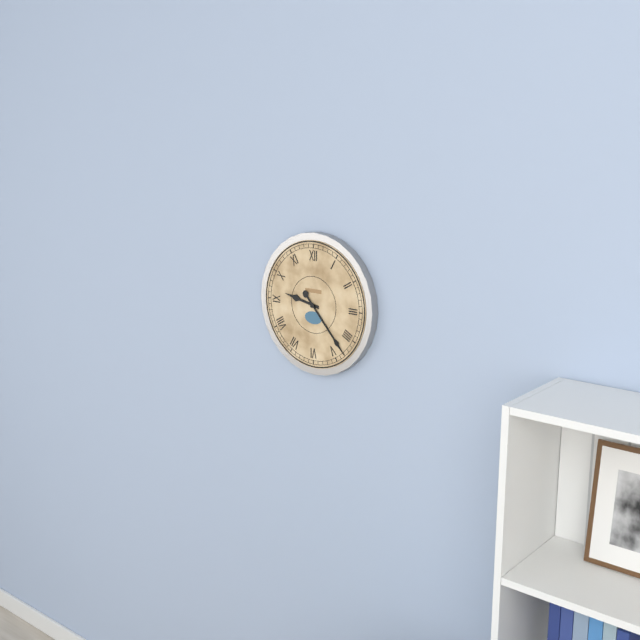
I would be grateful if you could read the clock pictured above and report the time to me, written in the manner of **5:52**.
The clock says **9:23**
